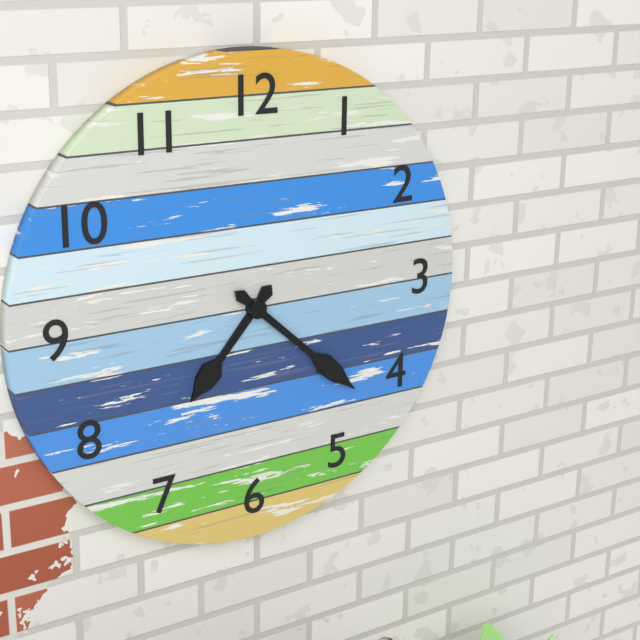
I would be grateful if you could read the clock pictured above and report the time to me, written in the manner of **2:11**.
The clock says **7:22**
